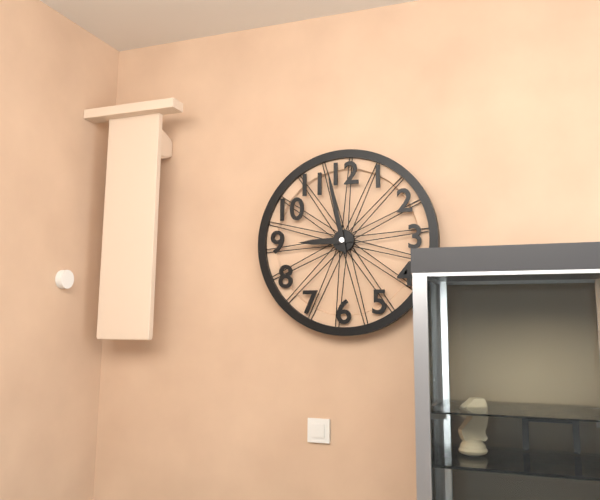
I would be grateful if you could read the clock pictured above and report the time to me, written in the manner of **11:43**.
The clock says **8:58**
